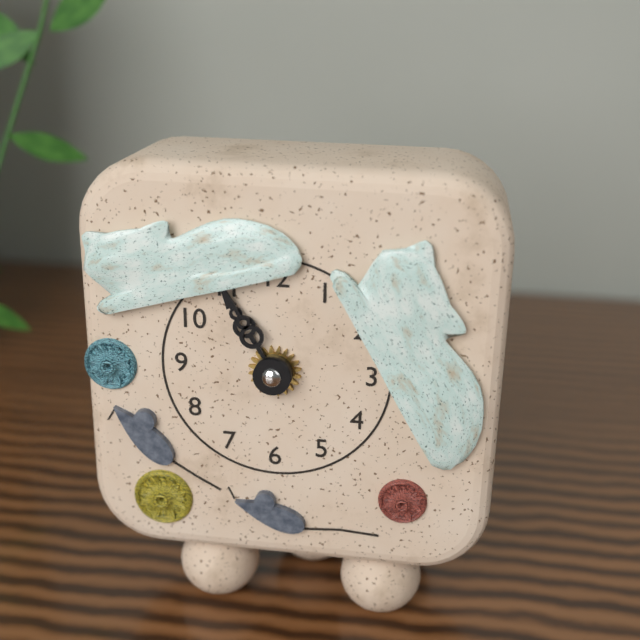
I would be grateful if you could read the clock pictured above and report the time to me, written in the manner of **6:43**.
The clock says **10:55**
